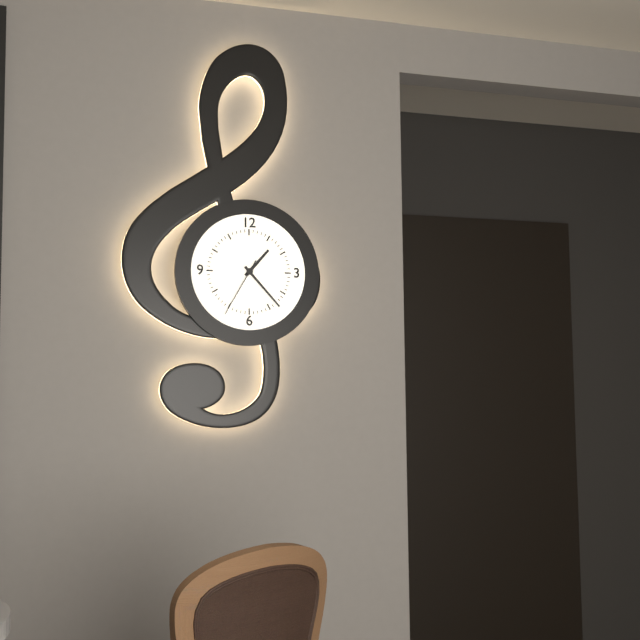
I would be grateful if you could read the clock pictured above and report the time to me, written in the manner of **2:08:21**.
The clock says **1:23:35**
